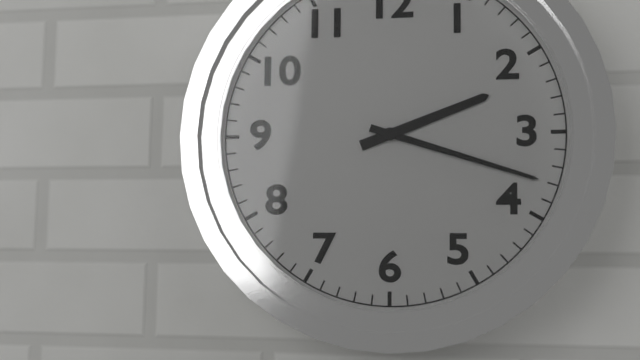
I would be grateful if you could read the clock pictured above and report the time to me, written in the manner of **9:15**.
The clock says **2:18**
